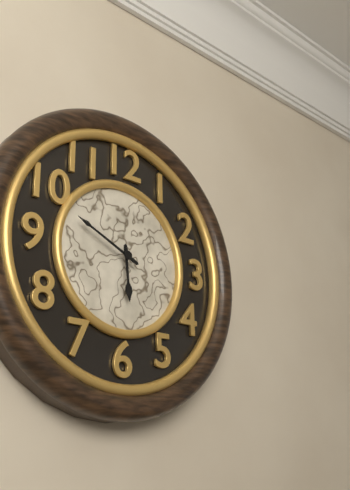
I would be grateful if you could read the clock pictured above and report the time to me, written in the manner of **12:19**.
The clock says **5:49**
